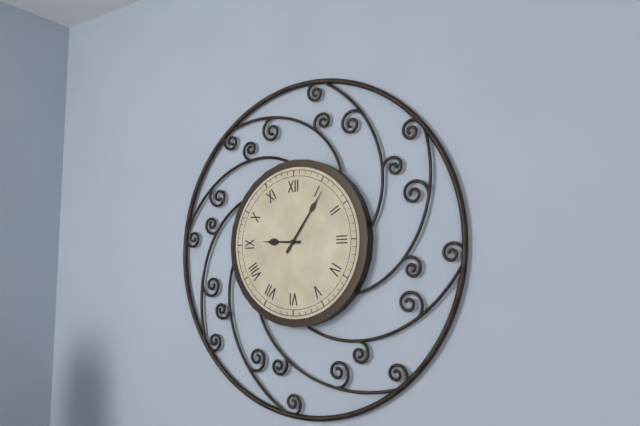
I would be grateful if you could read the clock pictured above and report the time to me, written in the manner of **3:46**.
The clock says **9:06**
